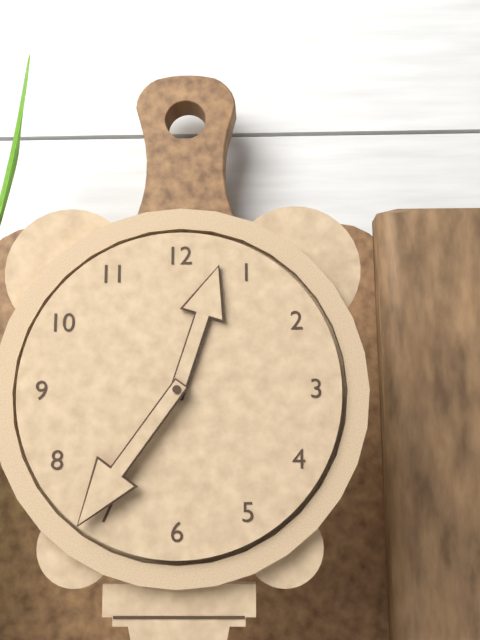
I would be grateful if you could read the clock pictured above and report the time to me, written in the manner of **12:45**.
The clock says **12:36**
